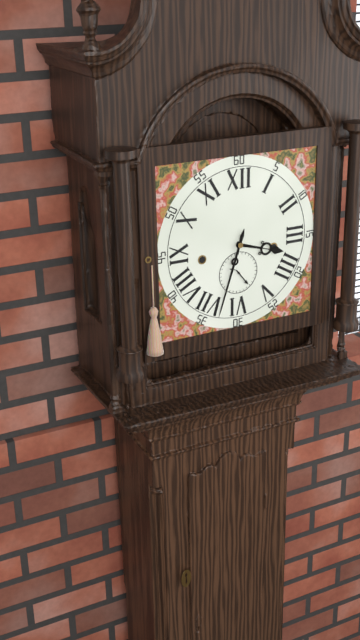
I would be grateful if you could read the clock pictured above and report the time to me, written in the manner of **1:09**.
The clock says **3:33**
